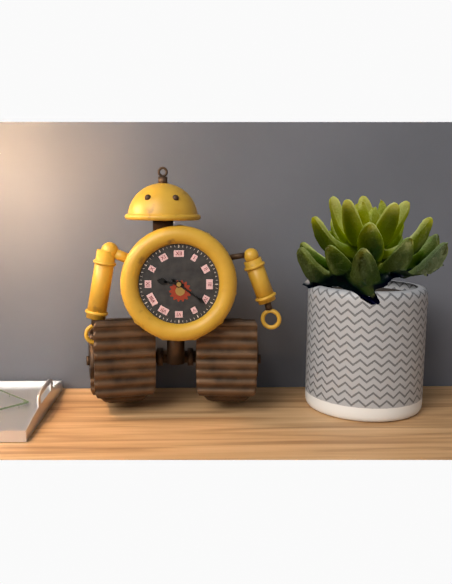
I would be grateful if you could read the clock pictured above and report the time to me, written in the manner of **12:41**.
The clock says **9:21**
